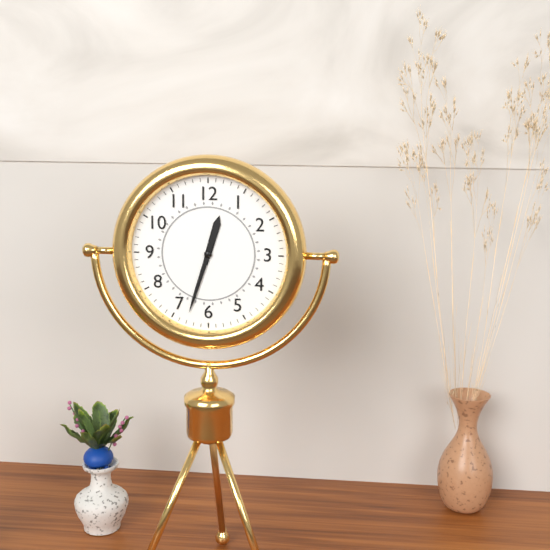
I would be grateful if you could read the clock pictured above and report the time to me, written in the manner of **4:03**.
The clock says **12:33**
